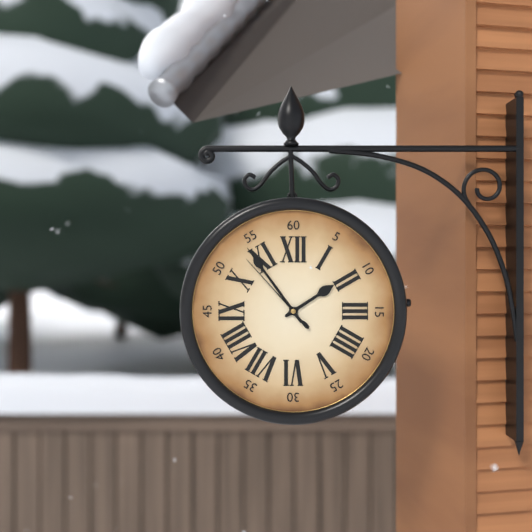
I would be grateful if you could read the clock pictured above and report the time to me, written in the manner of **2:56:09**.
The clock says **1:54:53**
